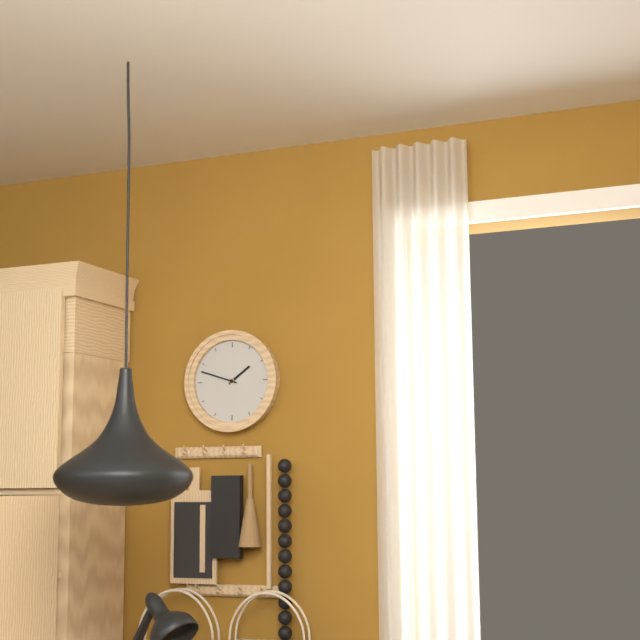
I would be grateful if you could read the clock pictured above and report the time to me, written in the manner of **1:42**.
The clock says **1:48**
